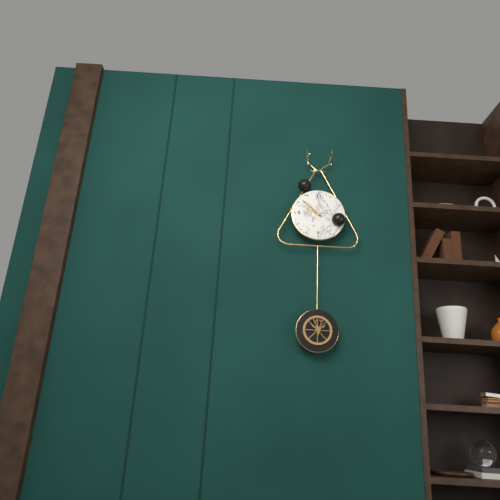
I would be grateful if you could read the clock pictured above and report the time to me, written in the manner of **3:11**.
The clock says **9:52**
